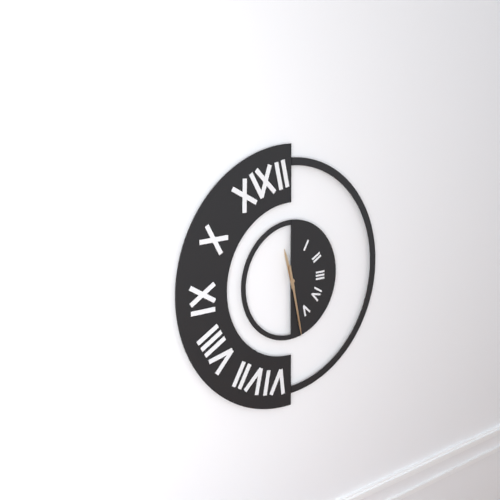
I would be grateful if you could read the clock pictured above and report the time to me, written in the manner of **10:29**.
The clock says **11:28**
